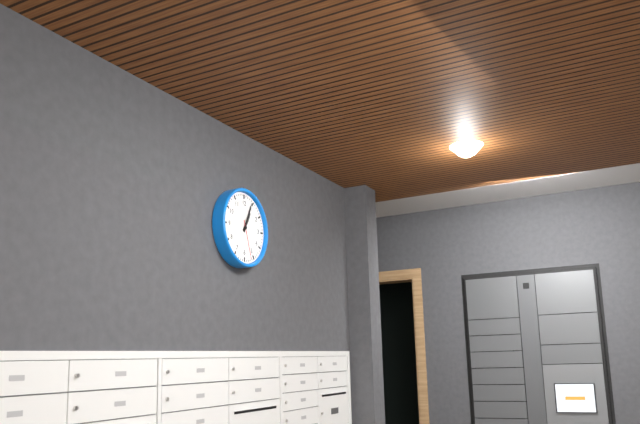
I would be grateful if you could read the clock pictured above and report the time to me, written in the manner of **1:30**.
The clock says **1:04**
